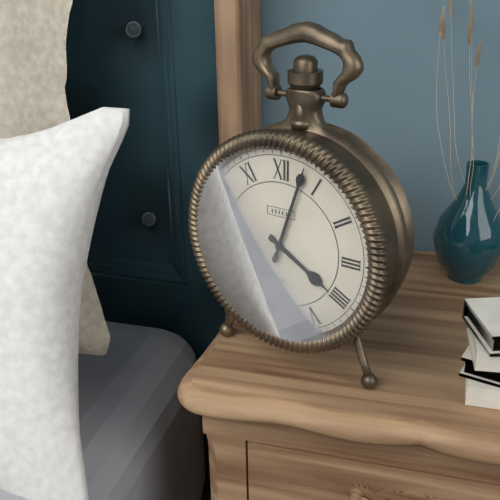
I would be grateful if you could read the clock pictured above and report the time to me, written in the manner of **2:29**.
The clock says **4:03**
